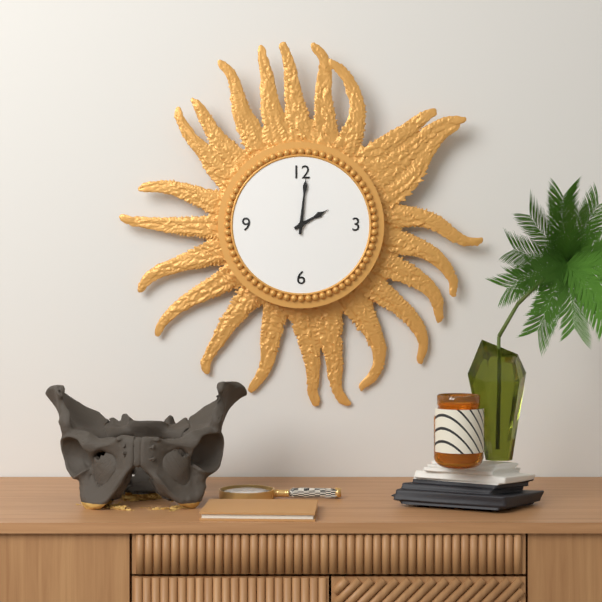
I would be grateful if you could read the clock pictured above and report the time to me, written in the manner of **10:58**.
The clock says **2:01**
